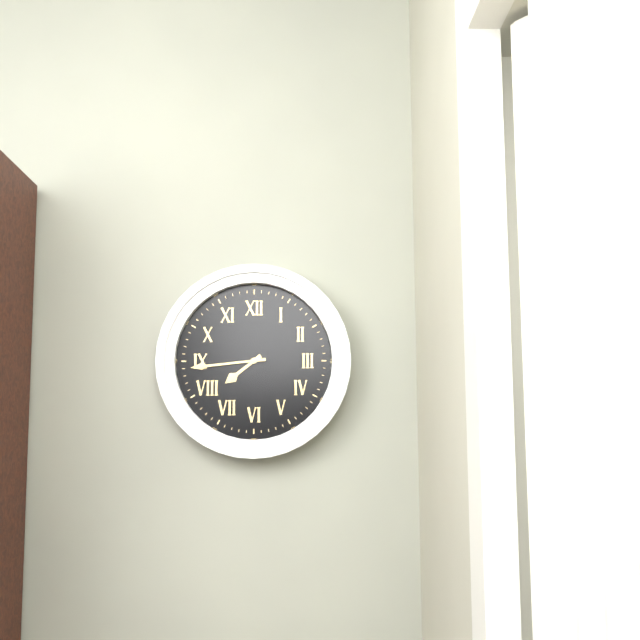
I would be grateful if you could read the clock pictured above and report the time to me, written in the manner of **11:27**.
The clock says **7:44**
